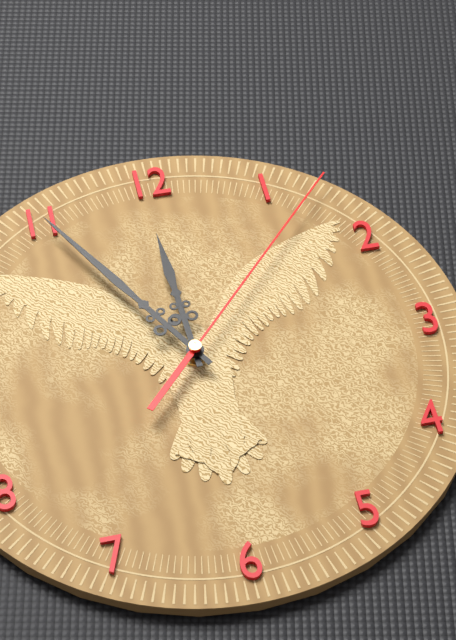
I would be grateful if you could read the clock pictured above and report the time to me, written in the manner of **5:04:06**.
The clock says **11:55:07**
